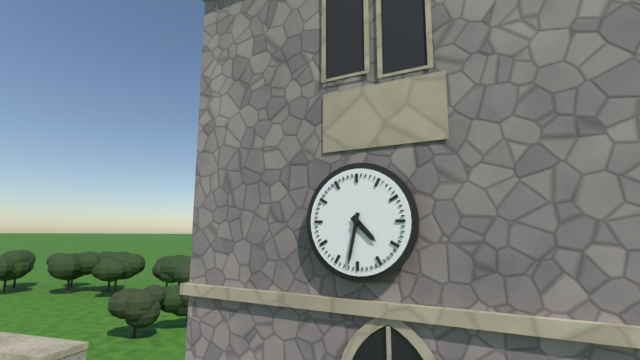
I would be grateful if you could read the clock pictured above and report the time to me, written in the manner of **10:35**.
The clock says **4:32**
